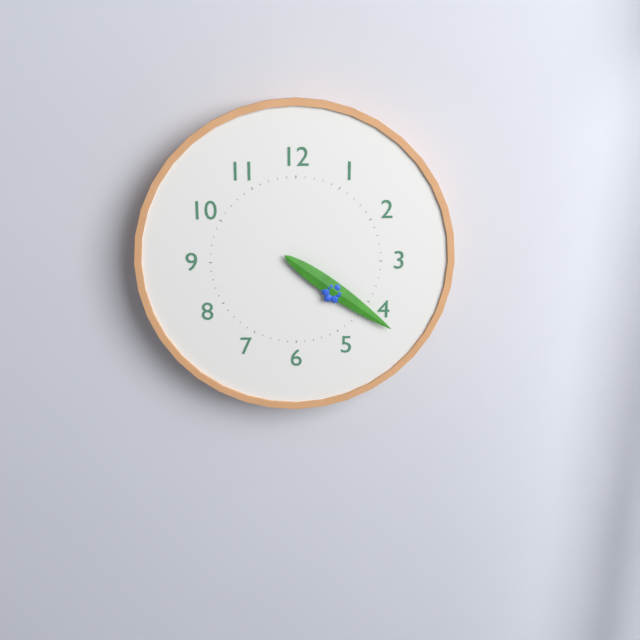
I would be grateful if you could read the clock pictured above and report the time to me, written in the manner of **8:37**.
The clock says **4:21**
